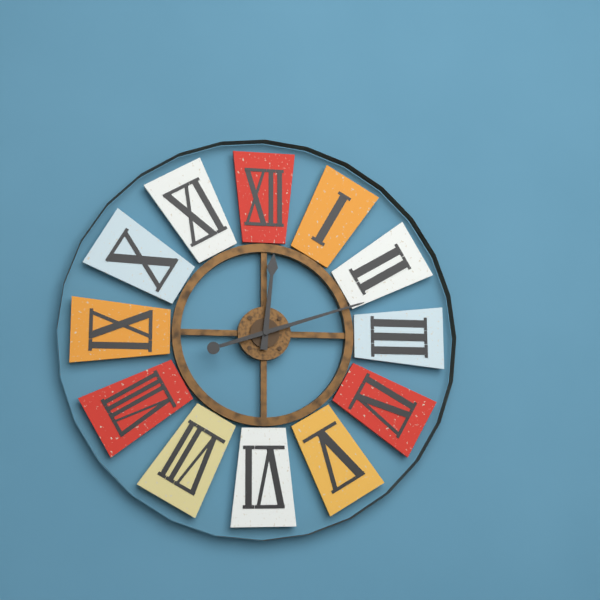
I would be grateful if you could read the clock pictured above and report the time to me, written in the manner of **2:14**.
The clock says **12:12**
